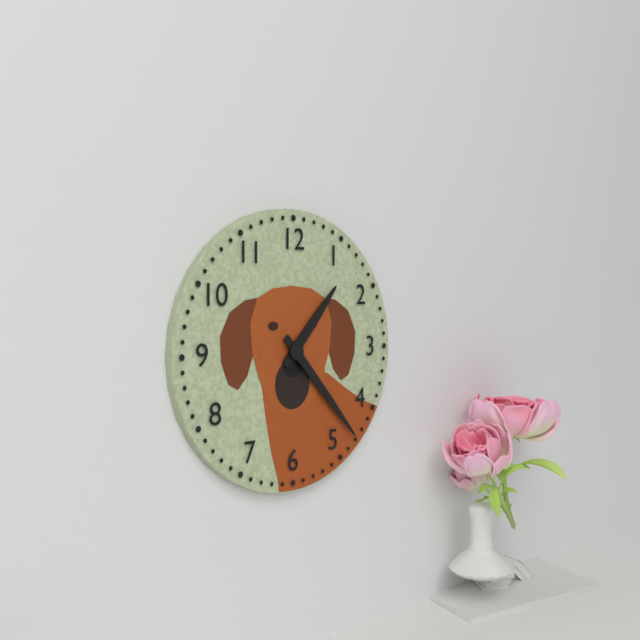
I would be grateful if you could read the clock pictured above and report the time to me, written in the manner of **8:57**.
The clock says **1:23**
